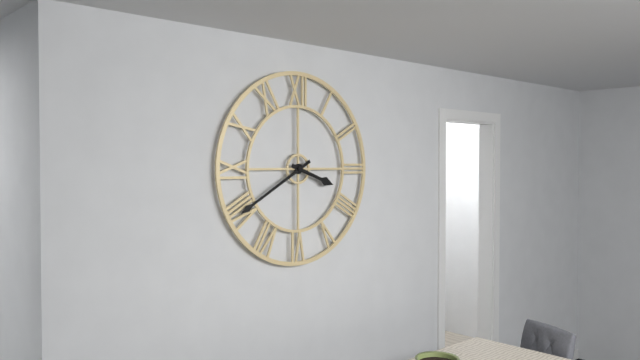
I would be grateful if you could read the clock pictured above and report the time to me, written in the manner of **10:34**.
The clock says **3:40**
